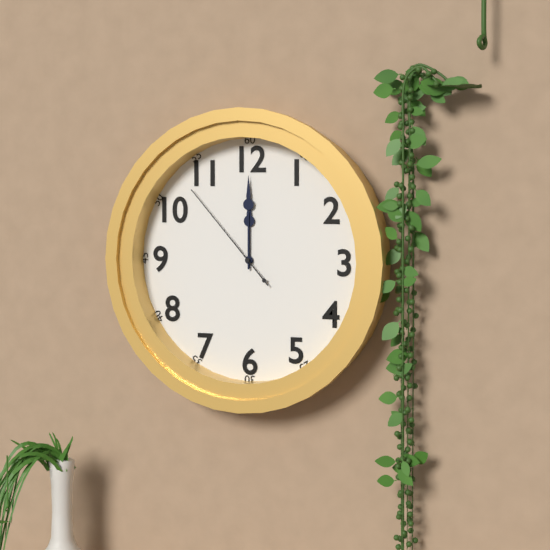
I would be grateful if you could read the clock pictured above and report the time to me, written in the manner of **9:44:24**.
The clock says **12:00:53**
